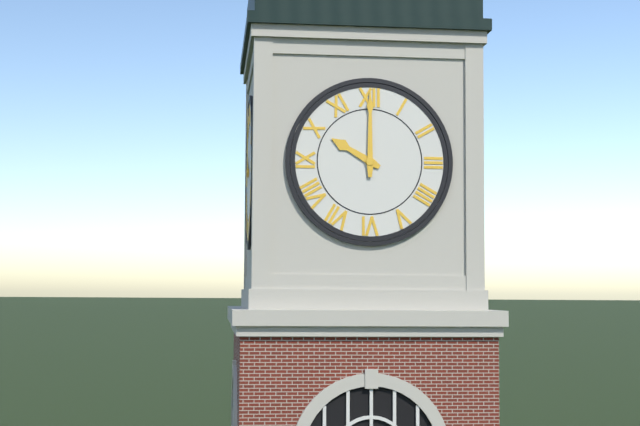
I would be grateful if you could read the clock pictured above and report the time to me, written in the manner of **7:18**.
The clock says **10:00**
